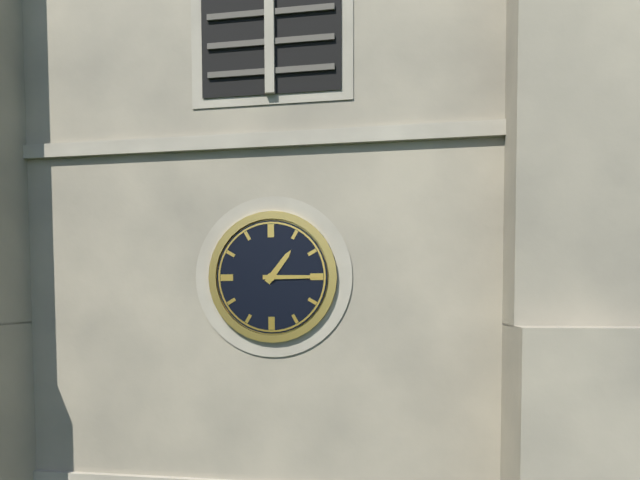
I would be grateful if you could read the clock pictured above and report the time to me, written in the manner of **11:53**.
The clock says **1:15**
